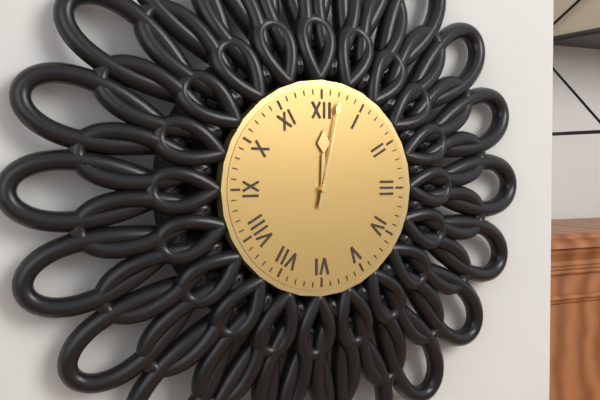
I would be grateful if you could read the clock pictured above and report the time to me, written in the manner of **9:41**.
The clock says **12:02**
